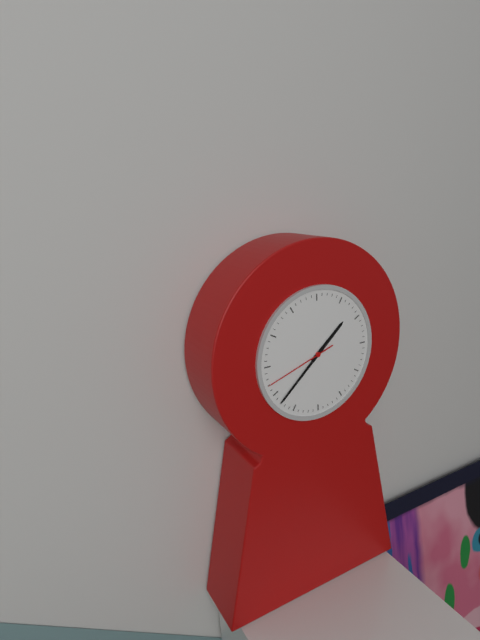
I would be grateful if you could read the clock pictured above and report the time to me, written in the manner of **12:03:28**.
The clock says **1:38:42**
